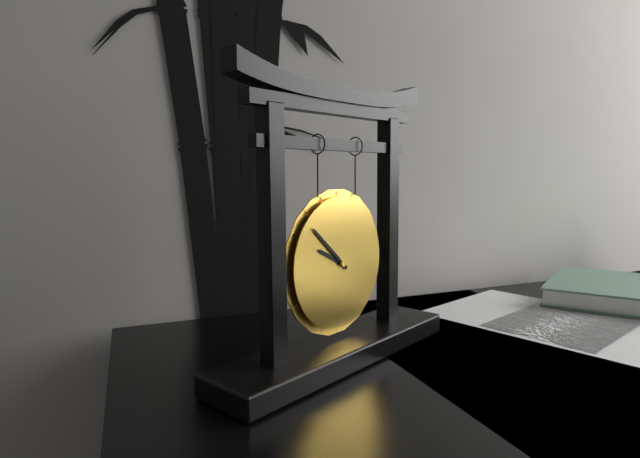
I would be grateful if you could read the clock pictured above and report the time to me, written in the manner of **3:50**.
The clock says **9:52**
